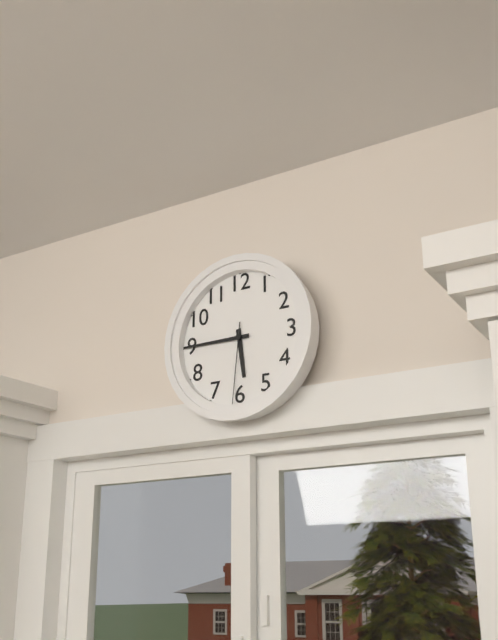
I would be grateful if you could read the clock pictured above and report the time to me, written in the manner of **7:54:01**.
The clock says **5:45:31**
